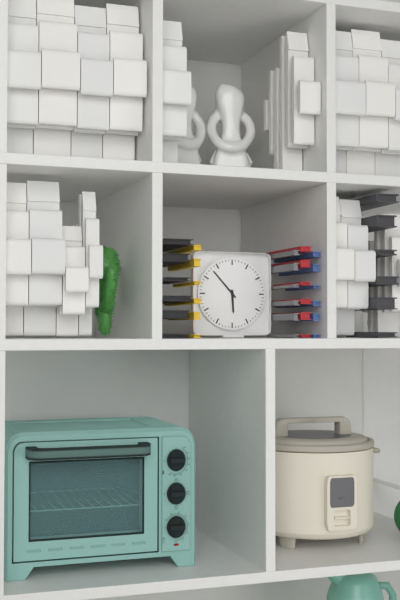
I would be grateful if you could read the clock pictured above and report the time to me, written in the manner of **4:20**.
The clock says **5:53**
